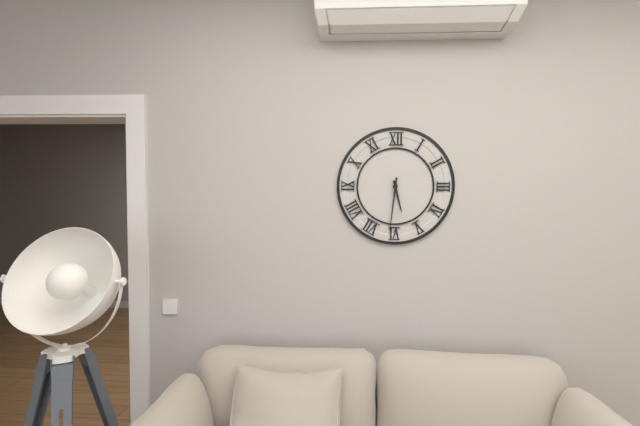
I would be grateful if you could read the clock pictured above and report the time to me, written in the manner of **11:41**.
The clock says **5:31**
